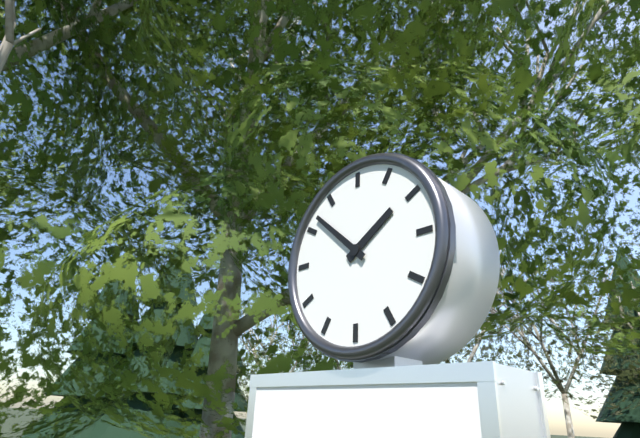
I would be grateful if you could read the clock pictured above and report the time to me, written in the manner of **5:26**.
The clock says **1:52**
